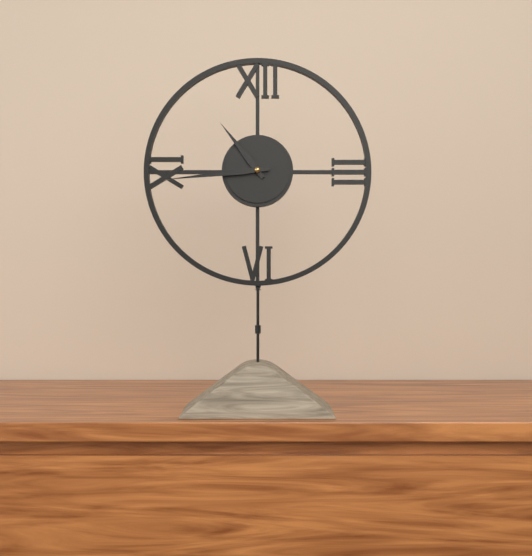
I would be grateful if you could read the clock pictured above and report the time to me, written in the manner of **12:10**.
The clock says **10:44**
